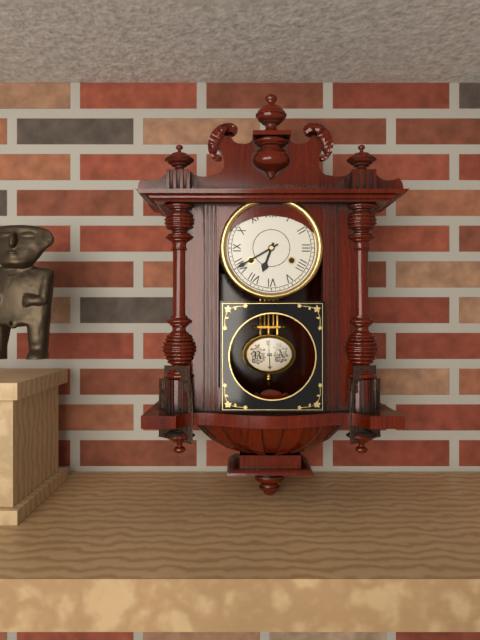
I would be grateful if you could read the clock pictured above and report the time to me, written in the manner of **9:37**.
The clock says **6:40**
